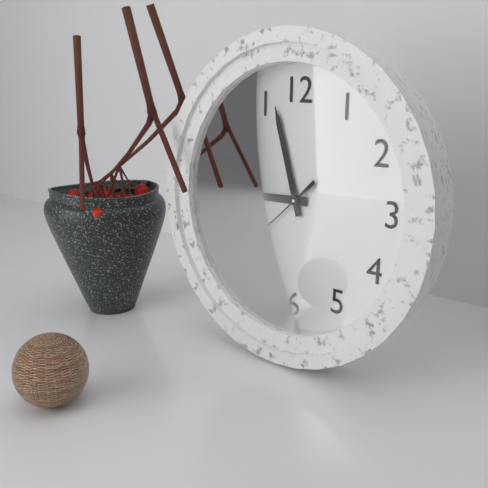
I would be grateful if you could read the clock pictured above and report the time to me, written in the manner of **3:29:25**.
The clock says **8:57:38**
